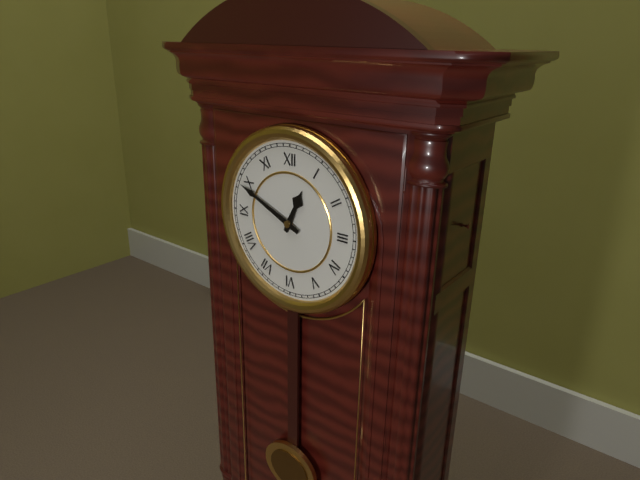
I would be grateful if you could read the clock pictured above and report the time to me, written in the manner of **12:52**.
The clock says **12:49**
